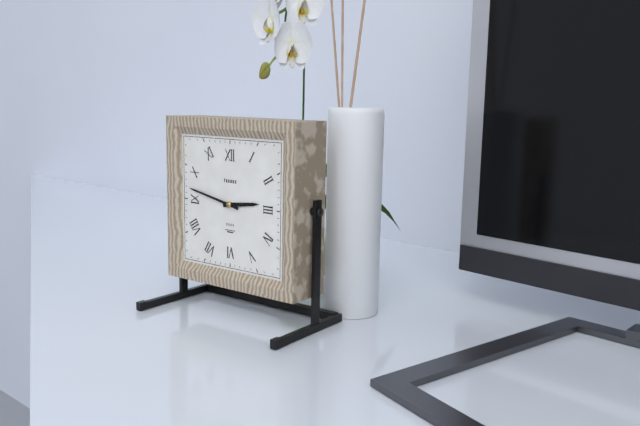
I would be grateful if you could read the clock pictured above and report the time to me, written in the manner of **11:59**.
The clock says **2:47**
